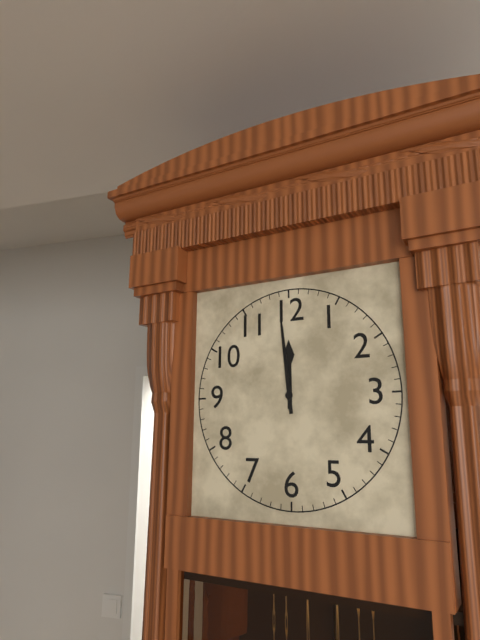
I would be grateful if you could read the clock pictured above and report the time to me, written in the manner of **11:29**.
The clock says **11:59**
